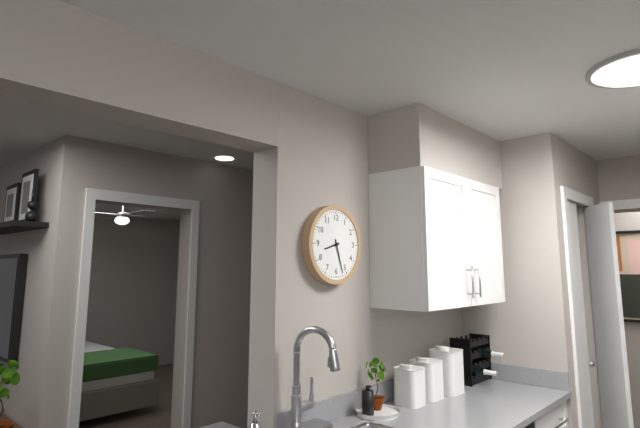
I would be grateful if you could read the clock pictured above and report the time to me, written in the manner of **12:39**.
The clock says **8:27**
